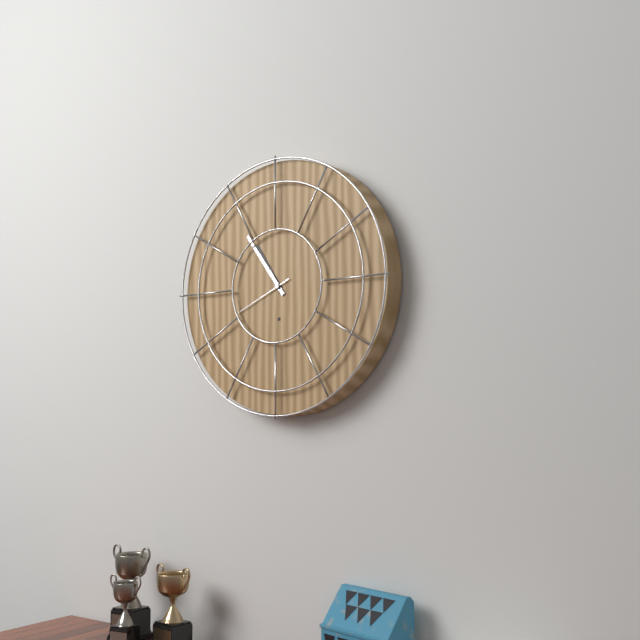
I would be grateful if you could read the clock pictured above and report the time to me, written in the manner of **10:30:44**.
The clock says **10:54:41**
